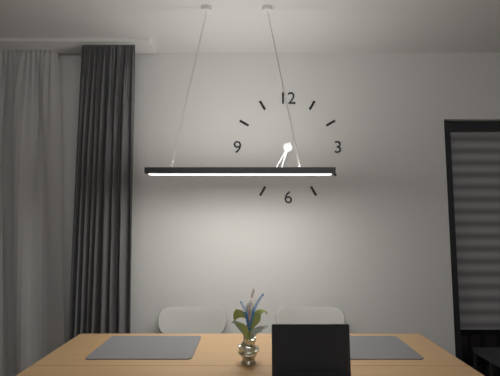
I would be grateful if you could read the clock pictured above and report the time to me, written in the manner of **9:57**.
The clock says **6:35**
